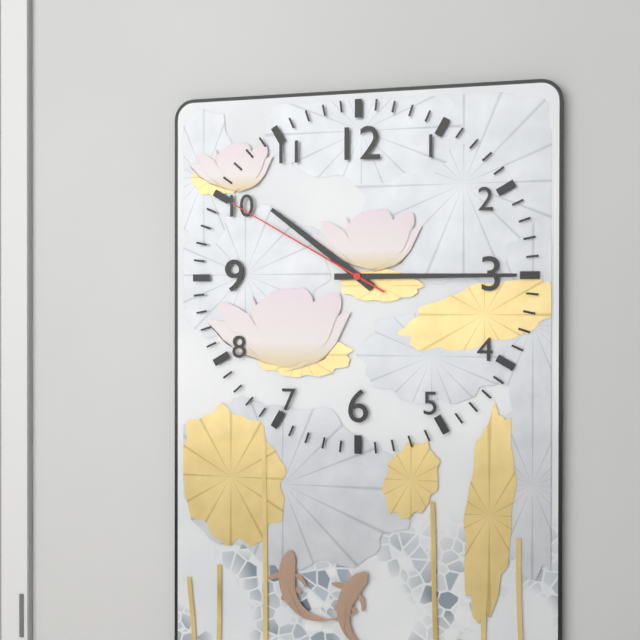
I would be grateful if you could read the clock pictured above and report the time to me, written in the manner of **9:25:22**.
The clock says **10:15:50**
